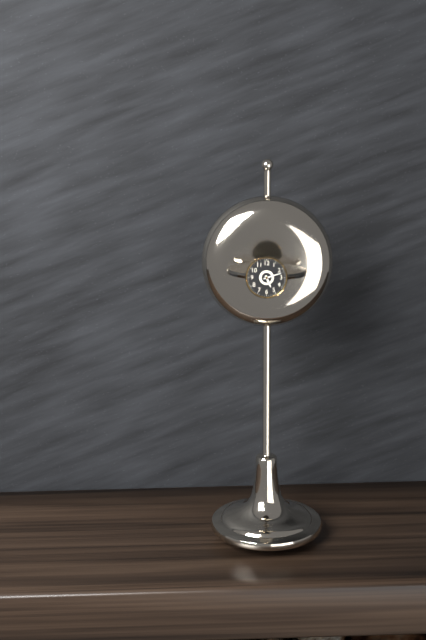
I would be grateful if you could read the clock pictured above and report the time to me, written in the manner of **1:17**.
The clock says **5:12**
